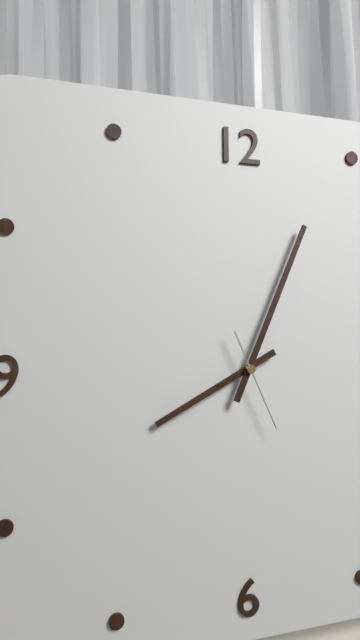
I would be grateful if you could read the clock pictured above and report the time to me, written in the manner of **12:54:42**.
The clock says **8:04:26**
